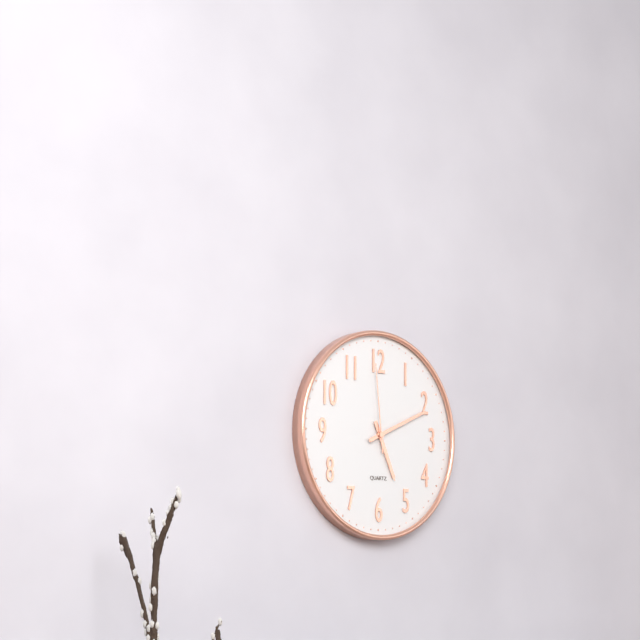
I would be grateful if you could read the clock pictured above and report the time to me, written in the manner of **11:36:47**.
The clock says **5:11:59**
